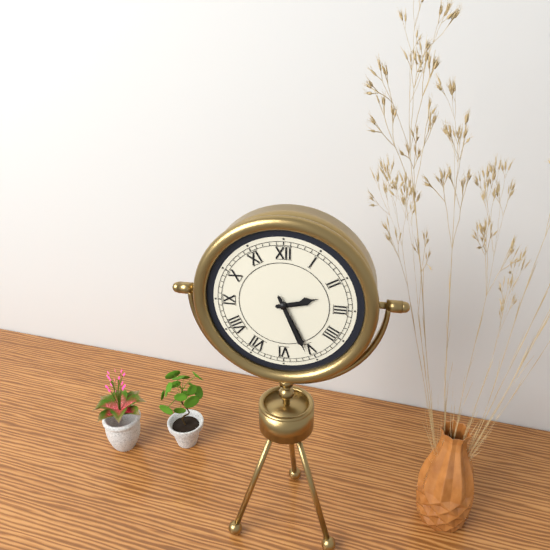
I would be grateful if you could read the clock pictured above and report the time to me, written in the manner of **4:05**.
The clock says **2:26**
